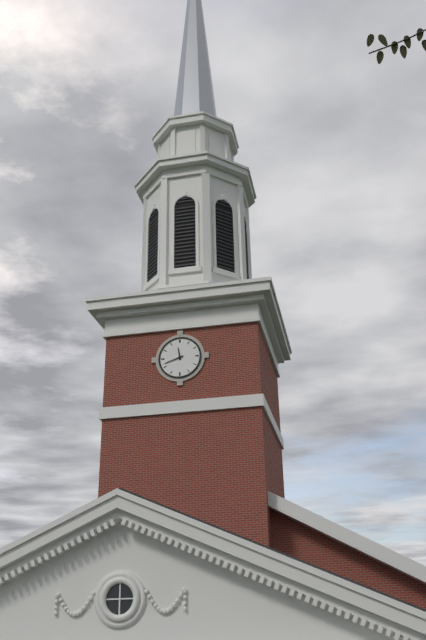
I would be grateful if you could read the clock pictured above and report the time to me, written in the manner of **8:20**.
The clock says **11:42**
